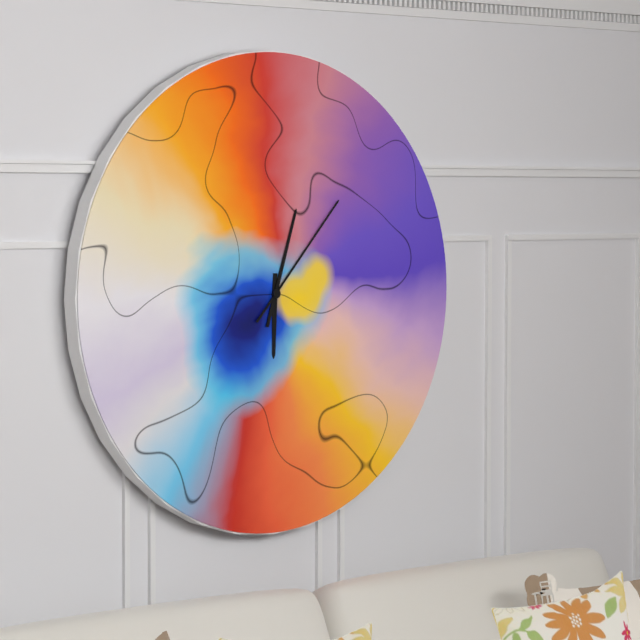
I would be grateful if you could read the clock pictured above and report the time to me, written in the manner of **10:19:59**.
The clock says **6:03:07**
